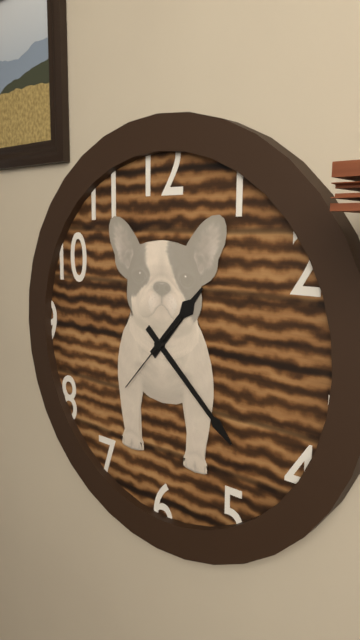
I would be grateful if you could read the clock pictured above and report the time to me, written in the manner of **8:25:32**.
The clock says **1:22:37**
